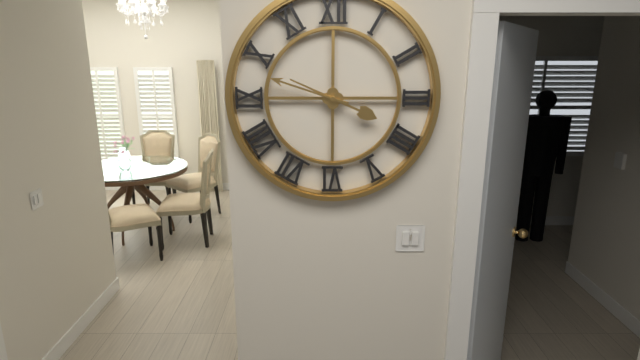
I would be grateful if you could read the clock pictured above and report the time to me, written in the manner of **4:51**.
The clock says **3:48**
